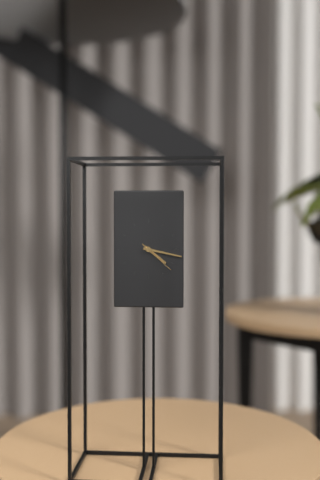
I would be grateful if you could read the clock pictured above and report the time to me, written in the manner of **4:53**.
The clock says **4:17**
